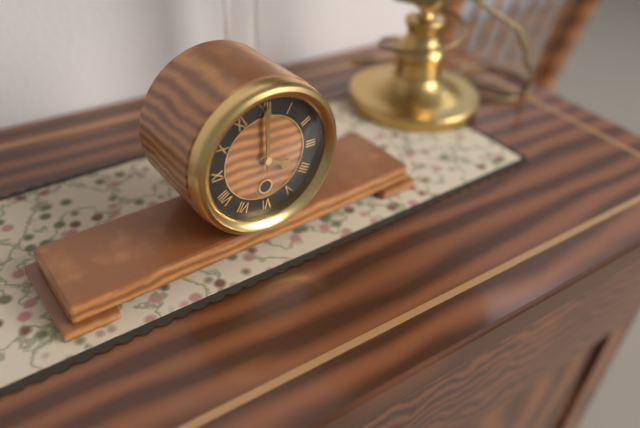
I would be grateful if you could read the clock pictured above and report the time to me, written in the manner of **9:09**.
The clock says **4:00**
